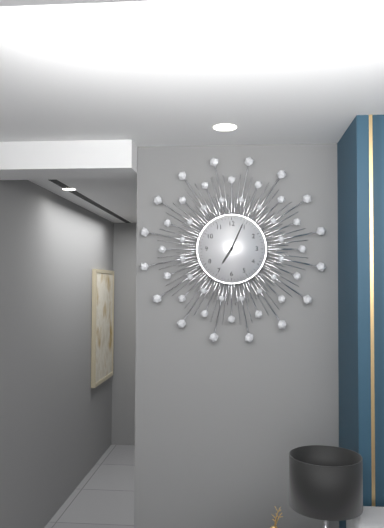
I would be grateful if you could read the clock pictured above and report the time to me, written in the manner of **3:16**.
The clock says **7:04**
